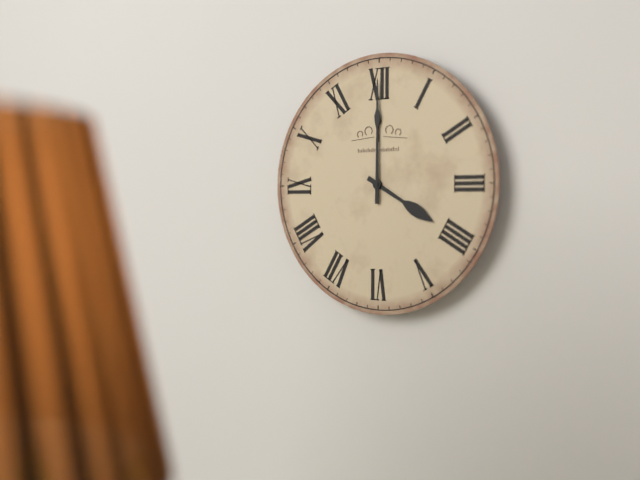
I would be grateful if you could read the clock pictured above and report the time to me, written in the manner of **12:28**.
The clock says **4:00**
